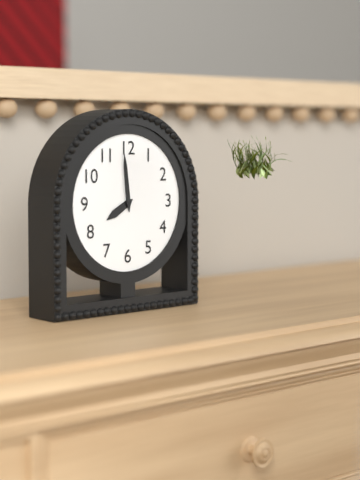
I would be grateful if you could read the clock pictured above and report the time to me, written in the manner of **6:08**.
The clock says **7:59**
